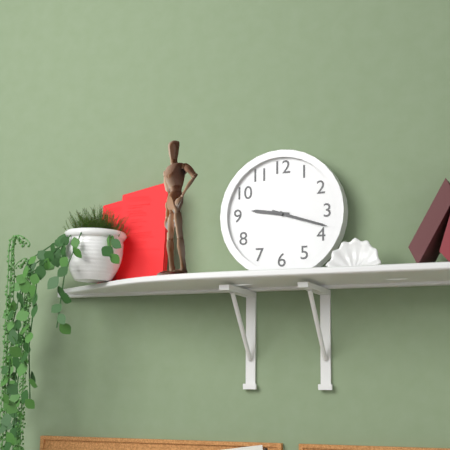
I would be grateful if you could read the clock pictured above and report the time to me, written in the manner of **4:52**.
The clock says **9:18**
